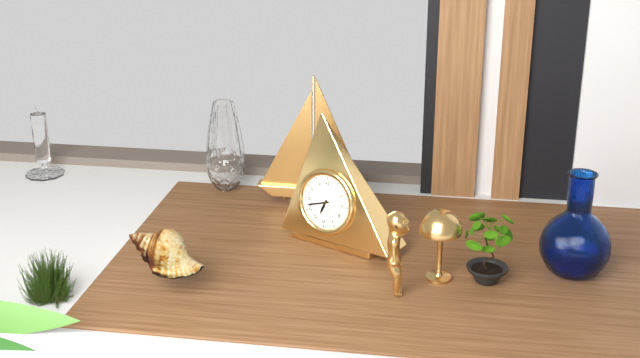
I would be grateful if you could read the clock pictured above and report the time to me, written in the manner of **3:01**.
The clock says **6:42**
